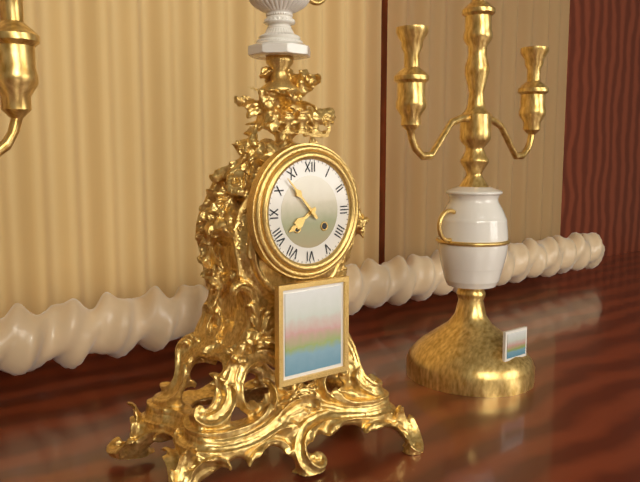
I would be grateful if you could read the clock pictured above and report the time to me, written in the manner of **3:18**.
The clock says **7:53**
